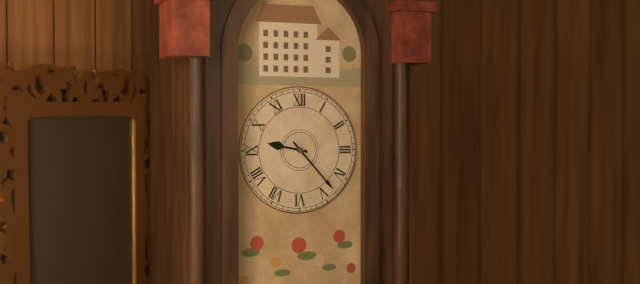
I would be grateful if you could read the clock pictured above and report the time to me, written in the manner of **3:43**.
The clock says **9:23**
